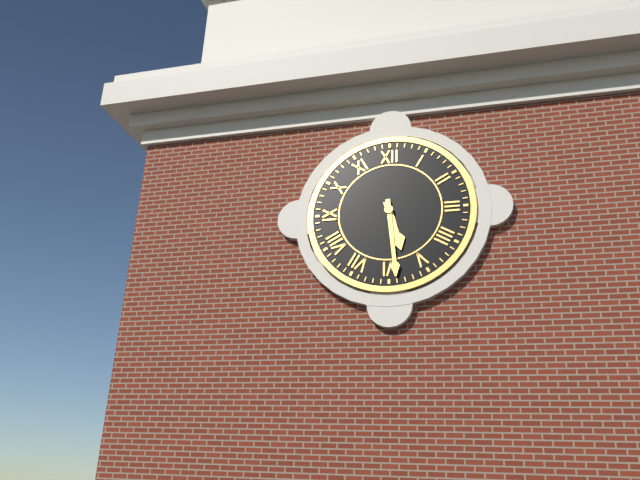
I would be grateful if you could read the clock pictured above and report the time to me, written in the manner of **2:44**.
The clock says **5:29**
